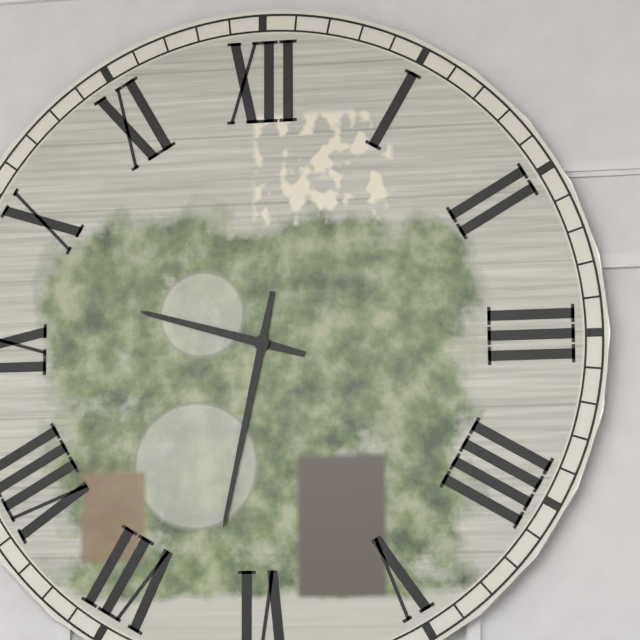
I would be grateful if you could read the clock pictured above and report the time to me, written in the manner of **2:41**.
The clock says **9:32**
